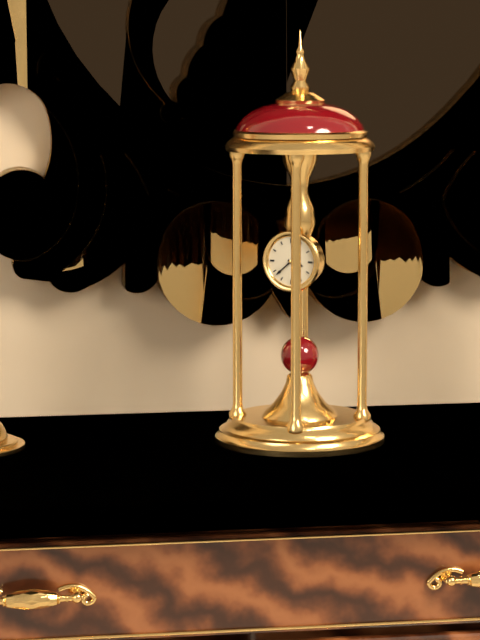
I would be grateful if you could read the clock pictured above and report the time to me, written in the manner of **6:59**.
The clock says **3:38**
